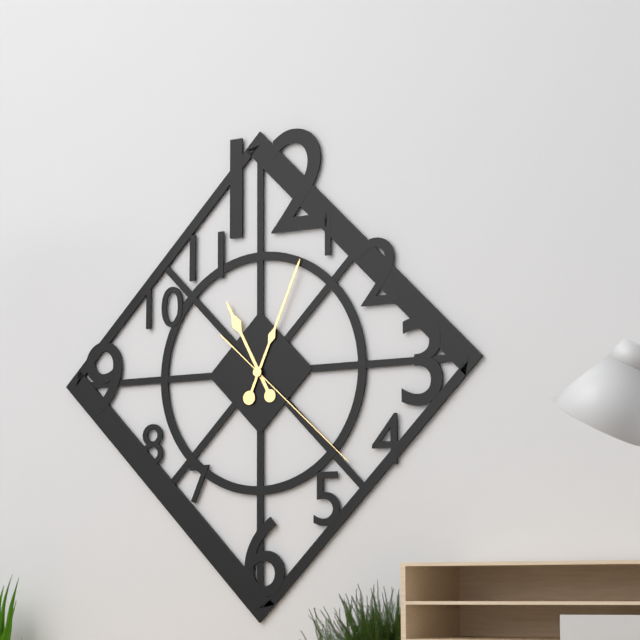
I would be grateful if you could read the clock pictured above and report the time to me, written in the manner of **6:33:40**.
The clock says **11:04:22**
